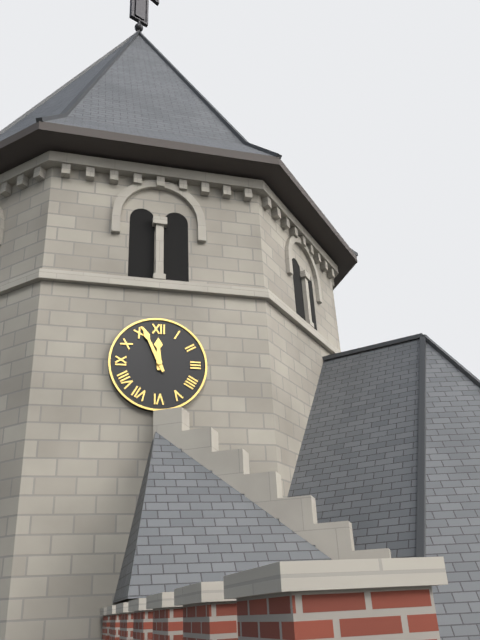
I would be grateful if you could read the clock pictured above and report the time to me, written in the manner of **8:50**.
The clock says **11:56**
